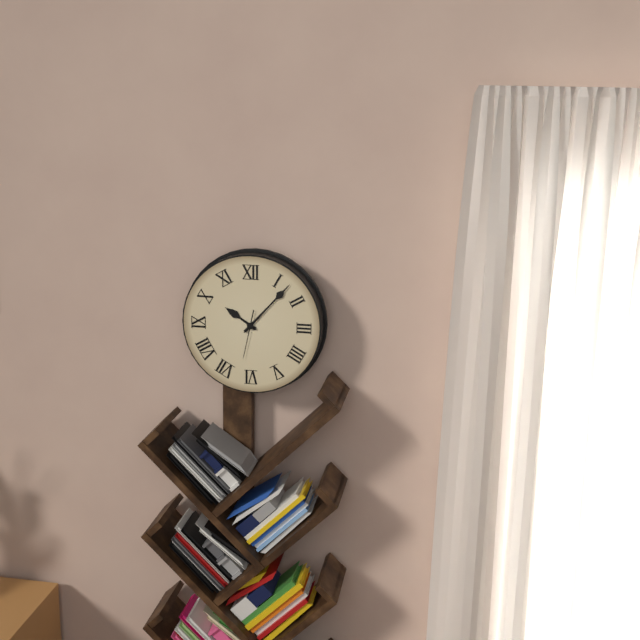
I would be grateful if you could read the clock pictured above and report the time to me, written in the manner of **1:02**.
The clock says **10:07**
